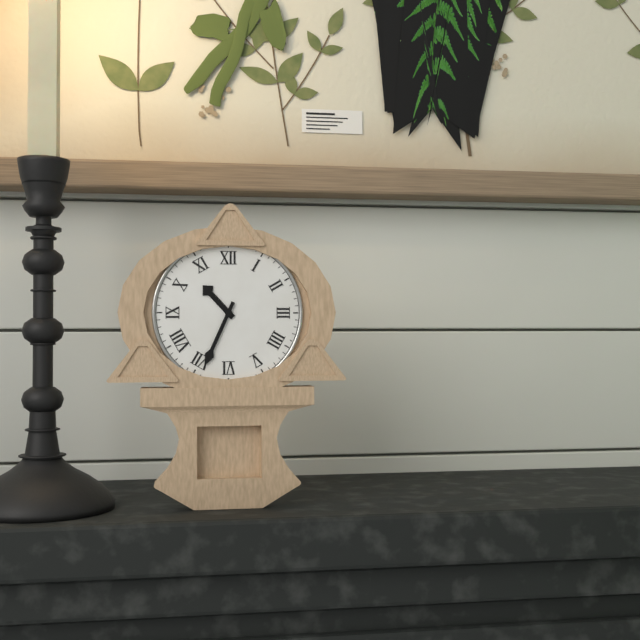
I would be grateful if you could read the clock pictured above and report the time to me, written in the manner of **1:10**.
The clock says **10:34**
